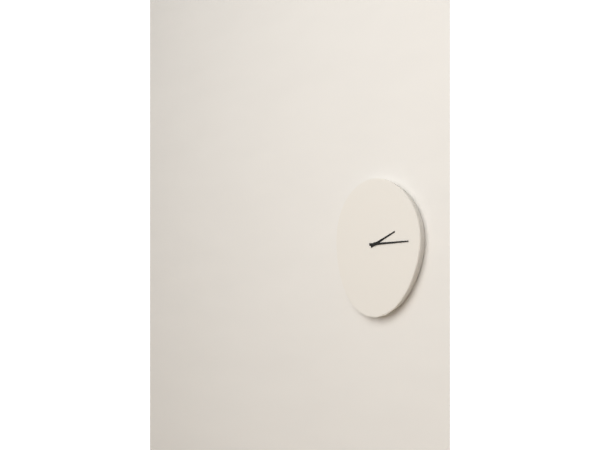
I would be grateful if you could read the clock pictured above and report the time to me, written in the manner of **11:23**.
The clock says **2:15**
